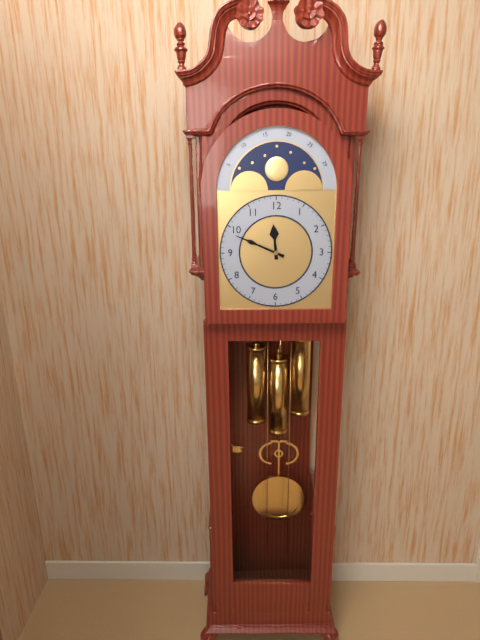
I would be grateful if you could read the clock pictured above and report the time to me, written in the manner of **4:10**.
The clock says **11:49**
